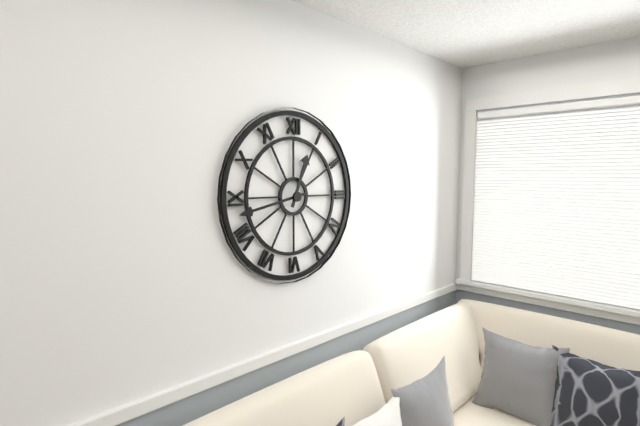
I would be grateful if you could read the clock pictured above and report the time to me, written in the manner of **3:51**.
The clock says **12:43**
